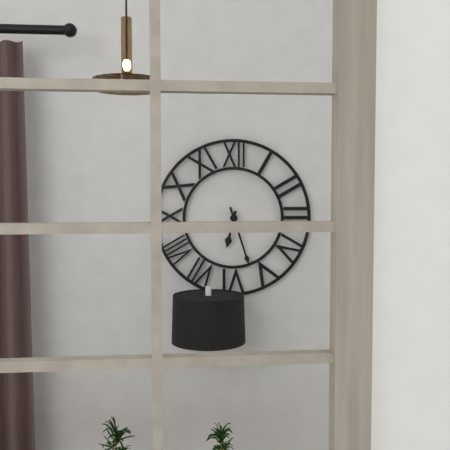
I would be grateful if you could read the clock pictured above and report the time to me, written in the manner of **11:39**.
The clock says **6:27**
